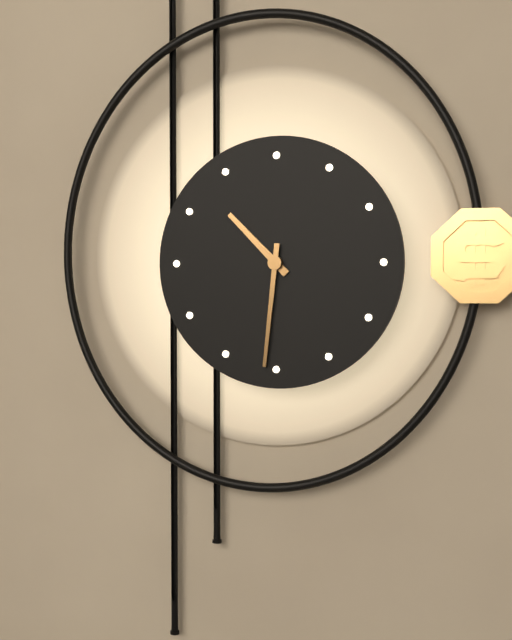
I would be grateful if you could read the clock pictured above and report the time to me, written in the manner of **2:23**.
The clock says **10:31**
